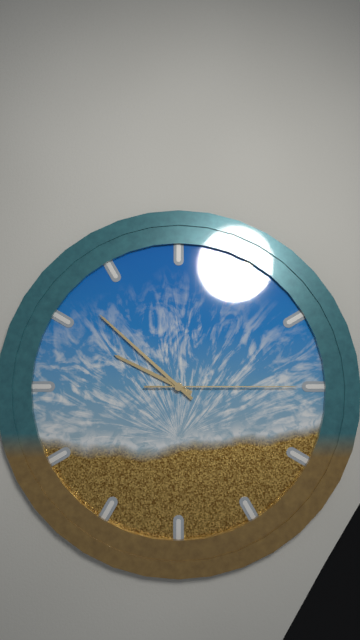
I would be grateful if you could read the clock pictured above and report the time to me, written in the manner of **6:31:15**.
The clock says **9:52:15**
